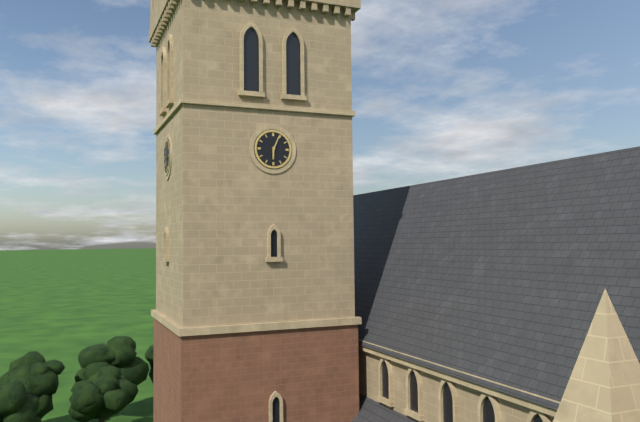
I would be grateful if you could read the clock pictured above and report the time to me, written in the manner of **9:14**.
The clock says **6:04**
